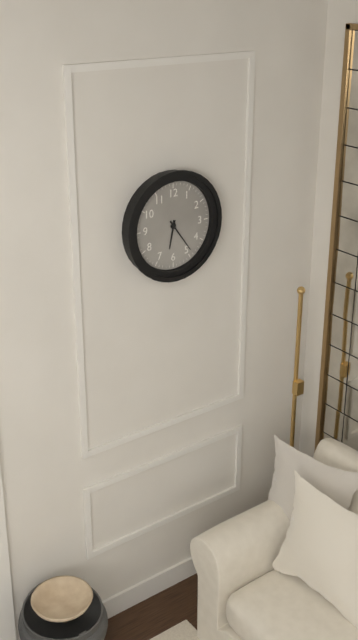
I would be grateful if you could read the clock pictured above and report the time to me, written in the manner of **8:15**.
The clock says **6:24**
